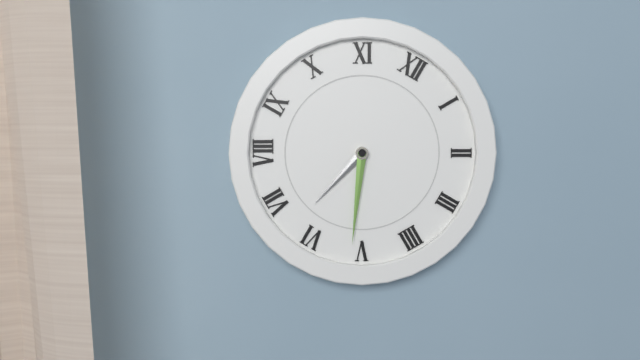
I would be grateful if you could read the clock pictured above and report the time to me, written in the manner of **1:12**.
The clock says **6:26**
